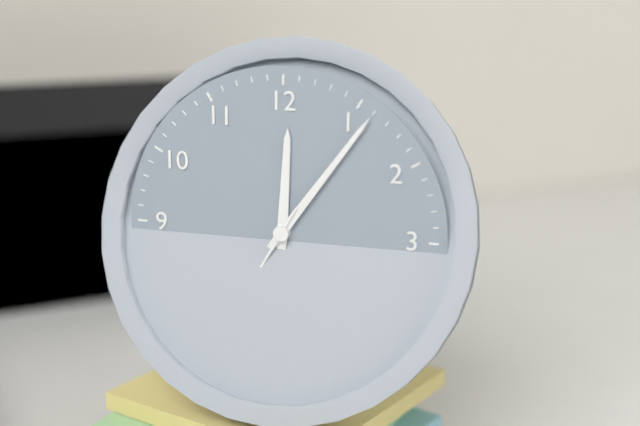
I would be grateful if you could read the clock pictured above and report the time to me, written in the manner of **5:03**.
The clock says **12:06**
